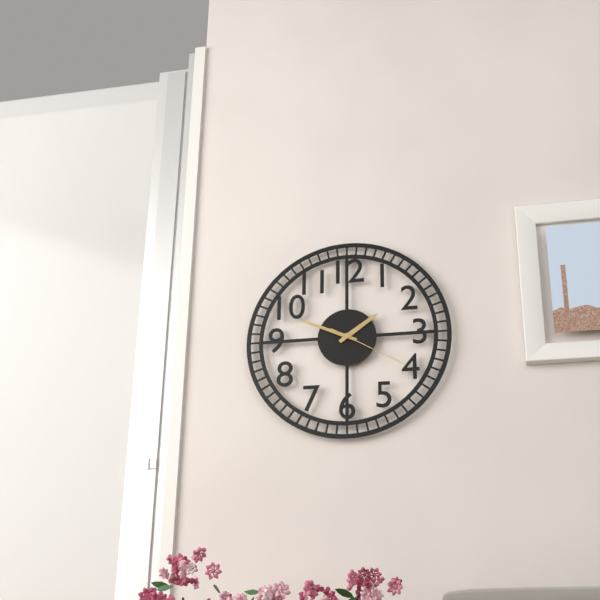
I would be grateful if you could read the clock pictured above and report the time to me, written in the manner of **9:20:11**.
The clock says **1:49:20**
